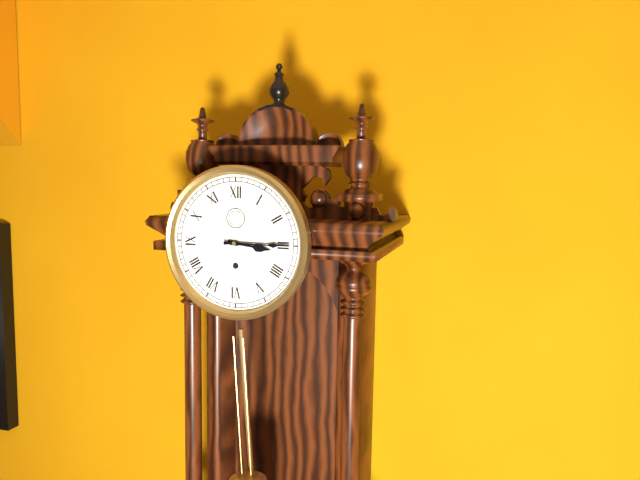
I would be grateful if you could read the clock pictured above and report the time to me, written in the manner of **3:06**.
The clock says **3:15**
